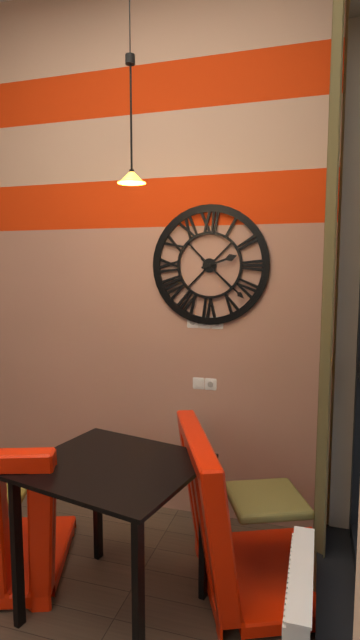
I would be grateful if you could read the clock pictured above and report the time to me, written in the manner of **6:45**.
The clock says **2:22**
